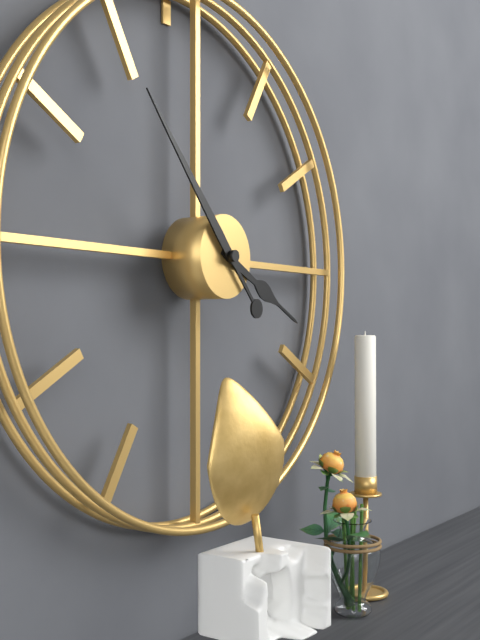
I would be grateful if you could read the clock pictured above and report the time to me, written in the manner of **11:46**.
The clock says **3:53**
